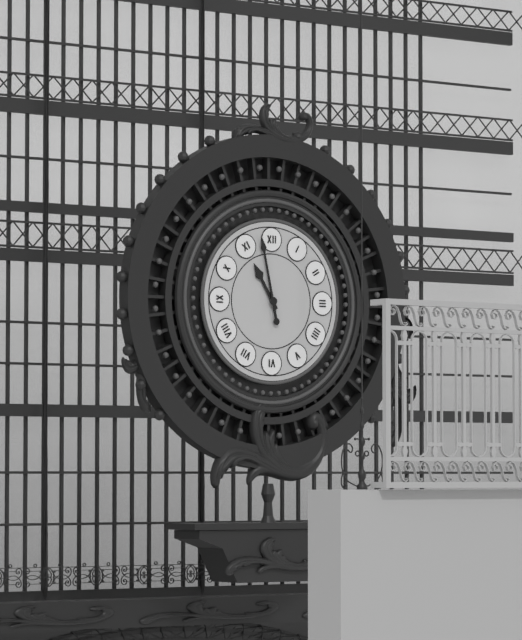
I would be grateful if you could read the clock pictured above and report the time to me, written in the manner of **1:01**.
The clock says **10:58**
